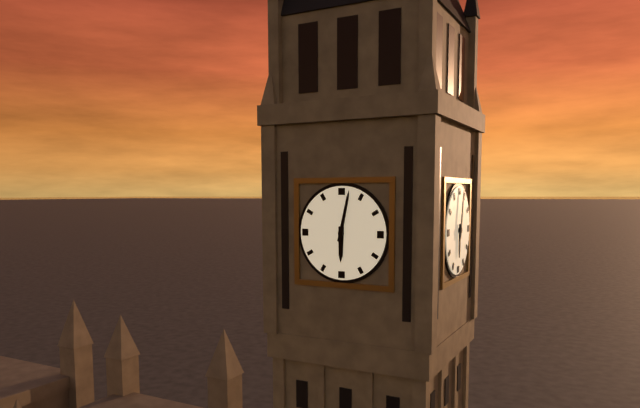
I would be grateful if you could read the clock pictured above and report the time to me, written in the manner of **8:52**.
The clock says **6:02**
